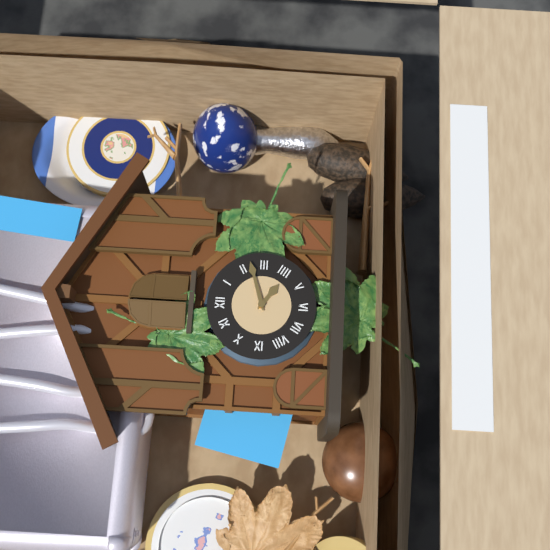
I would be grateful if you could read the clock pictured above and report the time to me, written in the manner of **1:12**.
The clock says **4:12**
